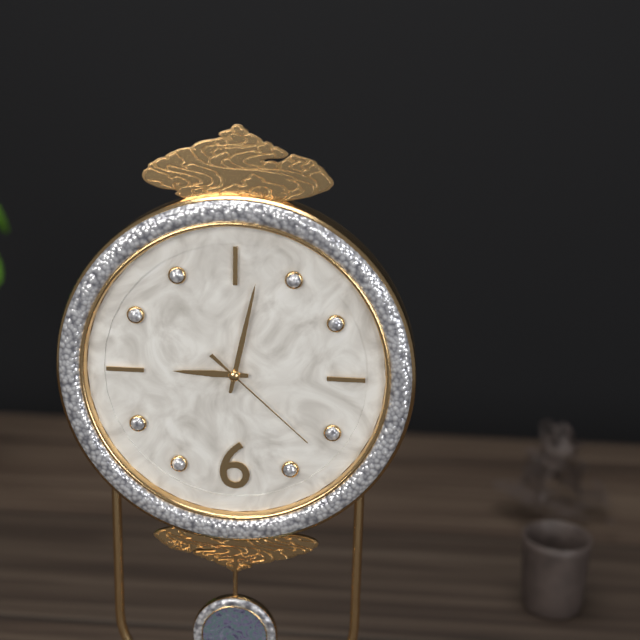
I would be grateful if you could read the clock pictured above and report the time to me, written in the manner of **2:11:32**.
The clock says **9:02:22**
